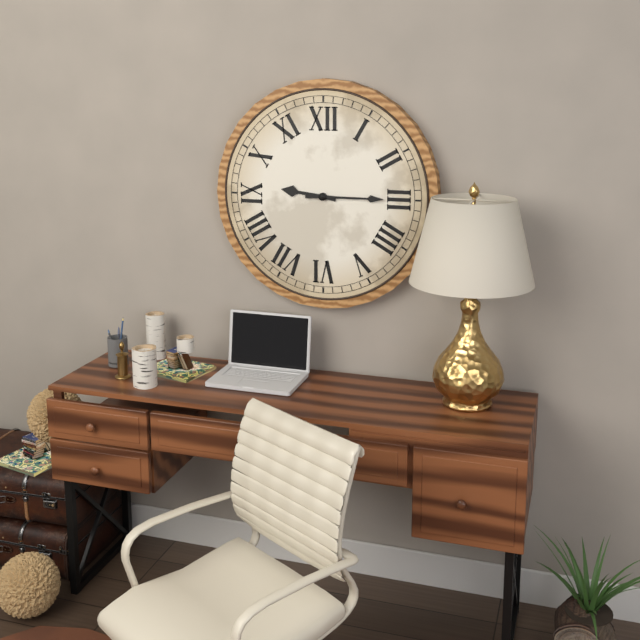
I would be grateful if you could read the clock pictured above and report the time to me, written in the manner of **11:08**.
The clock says **9:15**
